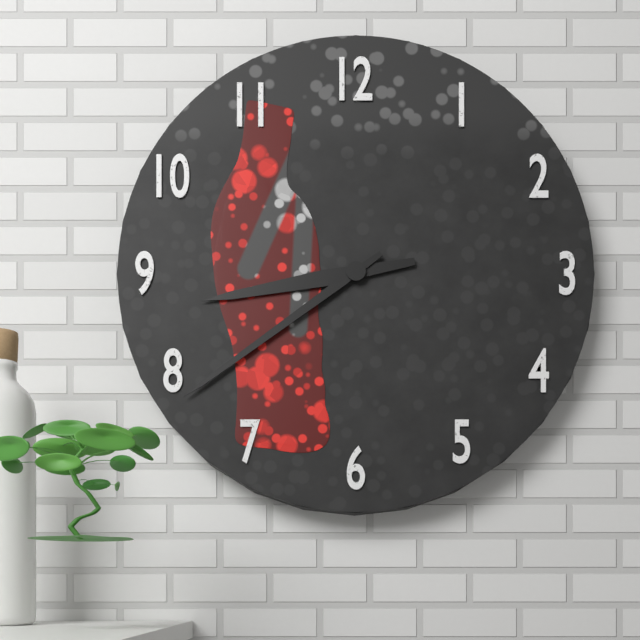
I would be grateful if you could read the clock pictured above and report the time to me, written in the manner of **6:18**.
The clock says **8:39**
